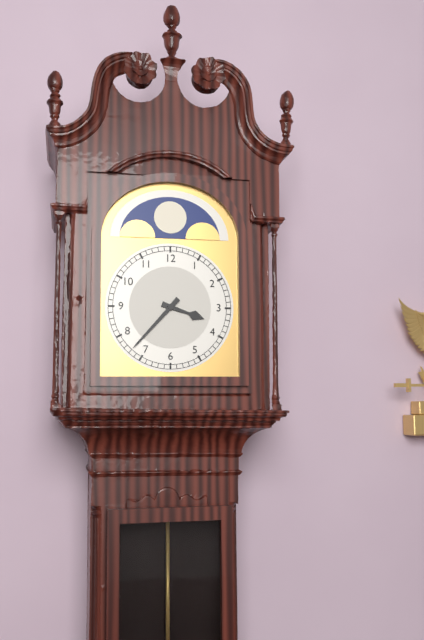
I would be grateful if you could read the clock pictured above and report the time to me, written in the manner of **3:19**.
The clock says **3:37**
